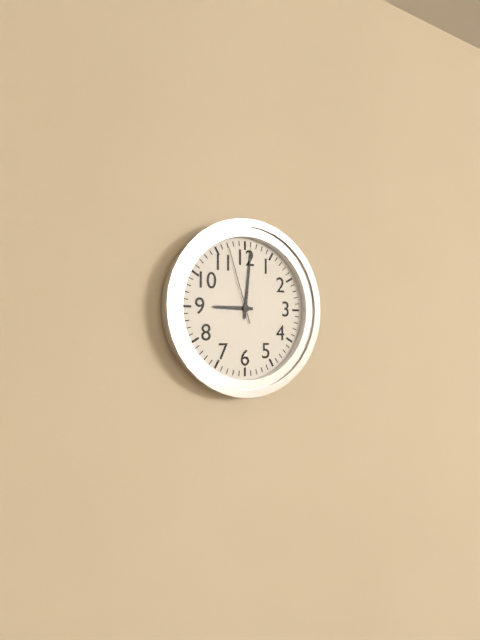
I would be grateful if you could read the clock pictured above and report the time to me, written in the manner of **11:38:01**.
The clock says **9:01:57**
